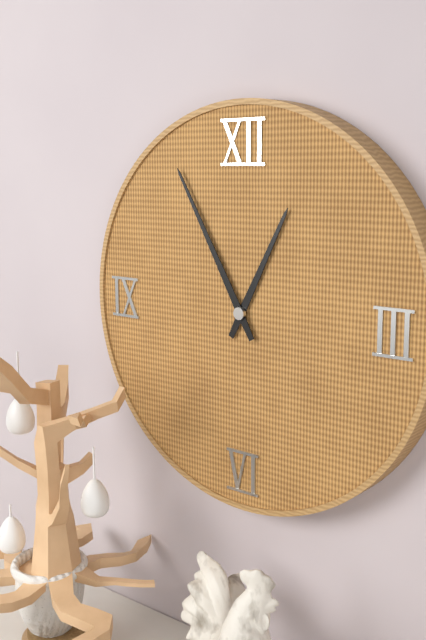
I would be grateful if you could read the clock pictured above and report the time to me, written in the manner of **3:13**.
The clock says **12:55**
